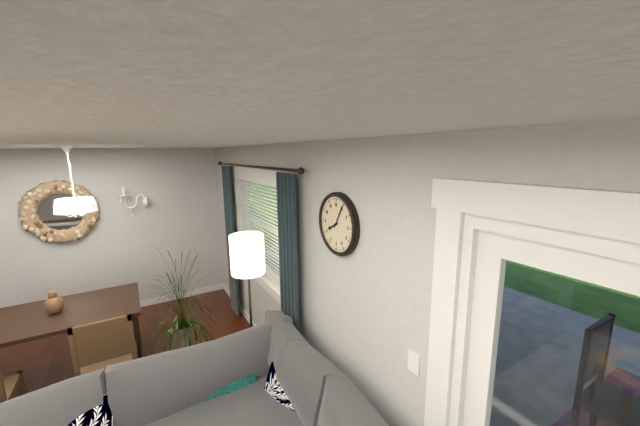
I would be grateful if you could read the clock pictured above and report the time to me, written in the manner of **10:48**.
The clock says **8:05**
